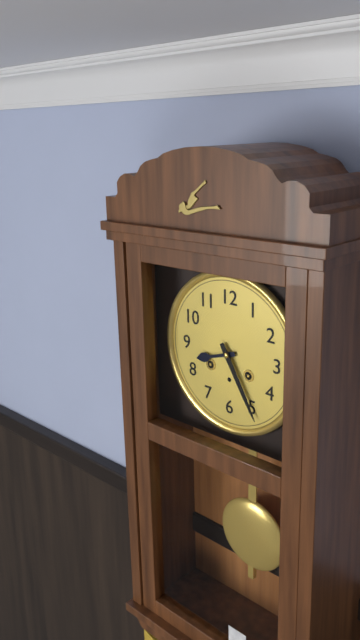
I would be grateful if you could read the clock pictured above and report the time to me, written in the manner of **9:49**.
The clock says **8:25**
